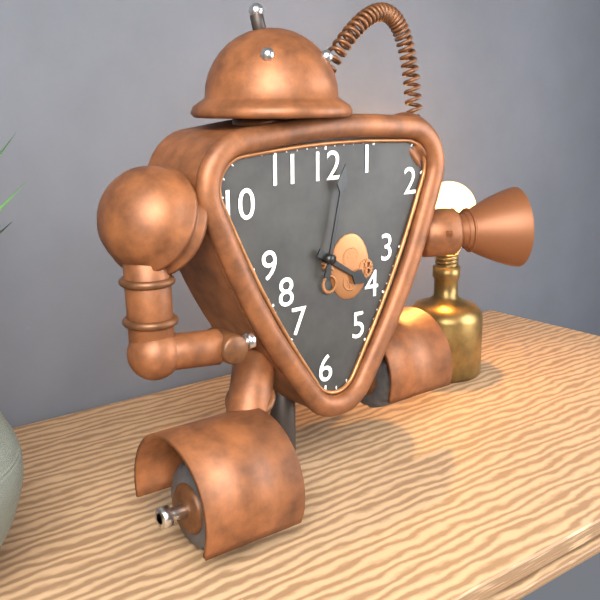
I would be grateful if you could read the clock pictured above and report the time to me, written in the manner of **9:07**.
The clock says **4:02**
